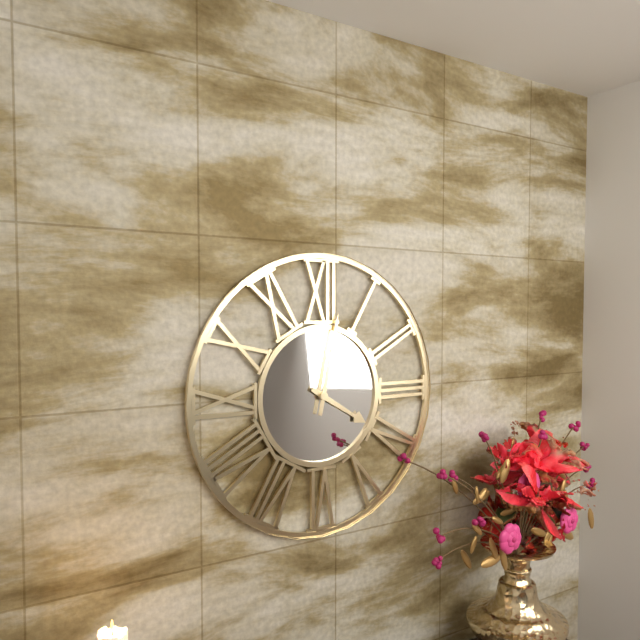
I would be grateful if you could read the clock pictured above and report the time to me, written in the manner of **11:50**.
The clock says **4:02**
